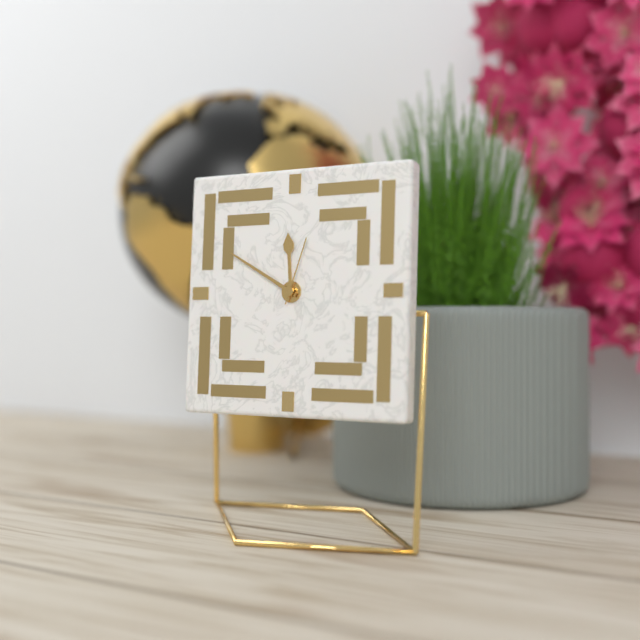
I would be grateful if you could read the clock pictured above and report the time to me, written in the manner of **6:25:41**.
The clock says **11:50:03**
